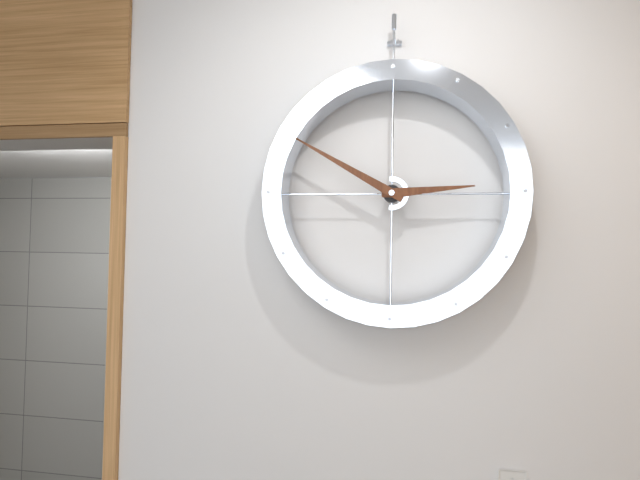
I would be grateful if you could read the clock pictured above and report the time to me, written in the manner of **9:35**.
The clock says **2:50**
